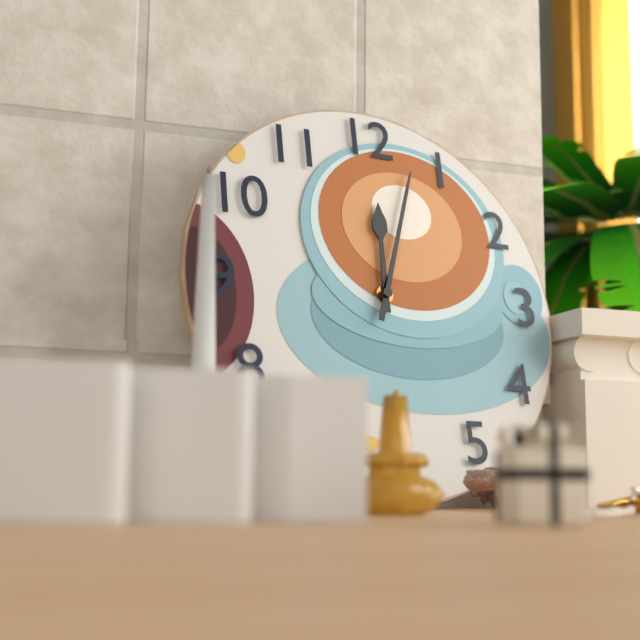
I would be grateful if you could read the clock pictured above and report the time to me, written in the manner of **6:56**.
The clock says **12:03**
